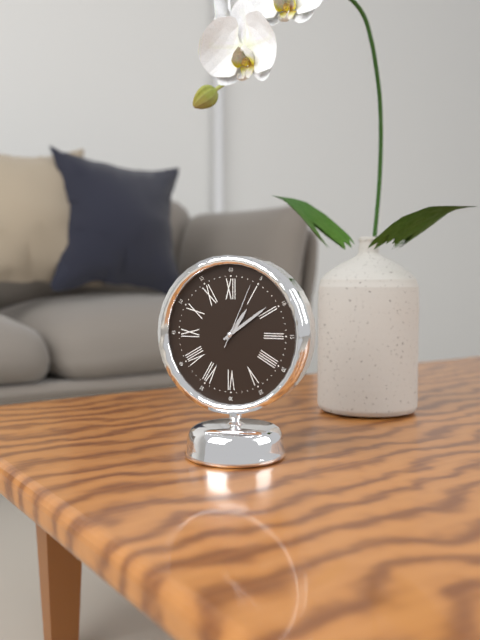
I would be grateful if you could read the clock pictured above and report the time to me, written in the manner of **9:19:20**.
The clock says **1:09:04**
